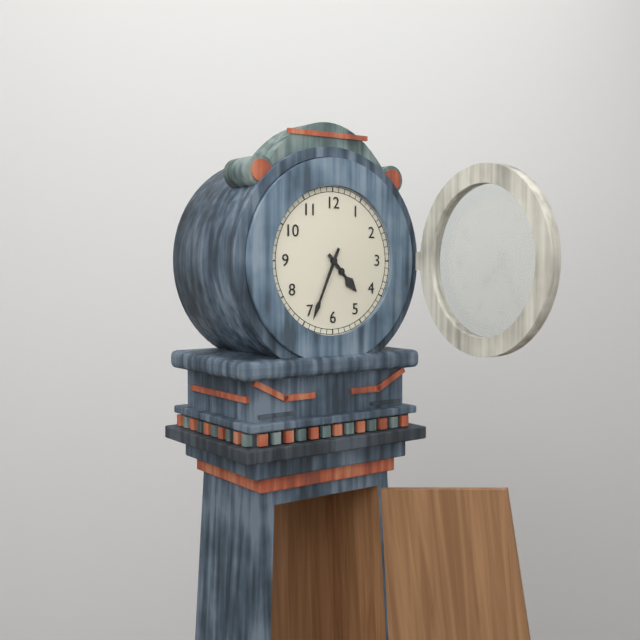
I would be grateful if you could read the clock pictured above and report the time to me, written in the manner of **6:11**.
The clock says **4:34**
